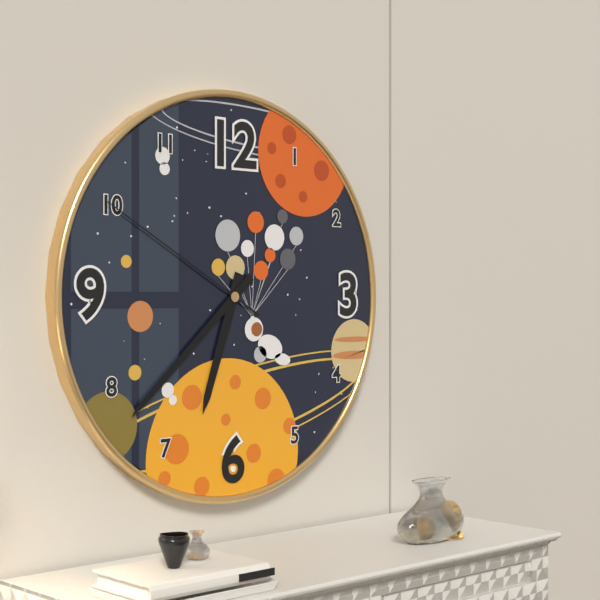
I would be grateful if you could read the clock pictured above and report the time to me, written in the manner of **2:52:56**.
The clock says **6:38:50**
